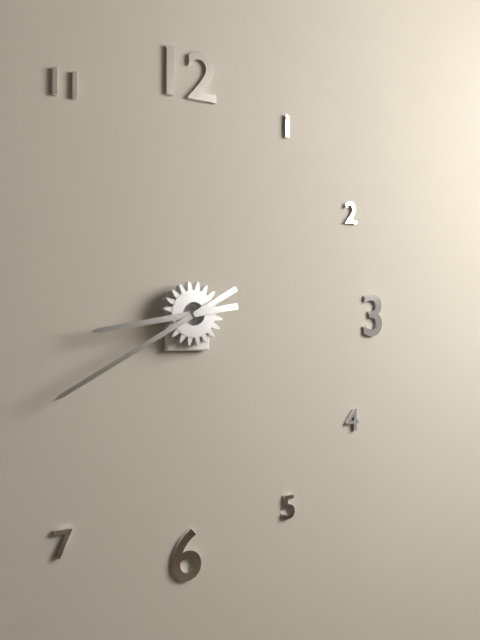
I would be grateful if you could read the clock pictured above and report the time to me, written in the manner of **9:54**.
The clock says **8:40**
